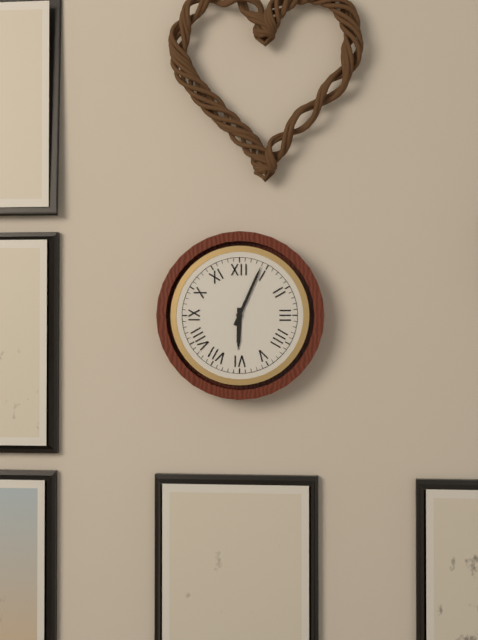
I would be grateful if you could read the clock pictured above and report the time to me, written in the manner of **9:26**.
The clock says **6:04**
